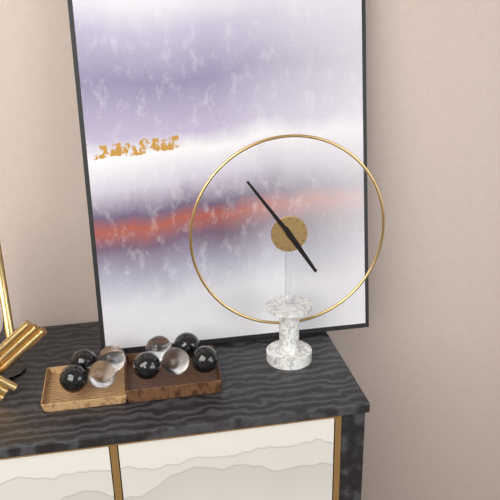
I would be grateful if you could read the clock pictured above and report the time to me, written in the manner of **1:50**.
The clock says **4:54**
